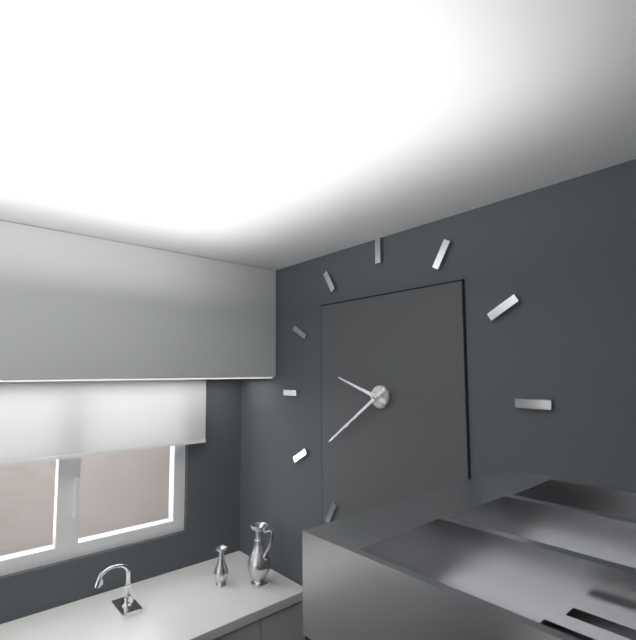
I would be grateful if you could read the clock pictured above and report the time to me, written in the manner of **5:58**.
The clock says **9:39**
